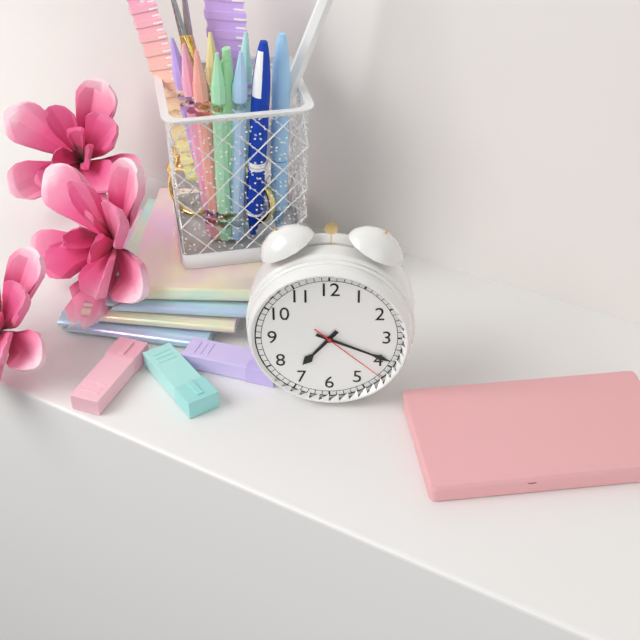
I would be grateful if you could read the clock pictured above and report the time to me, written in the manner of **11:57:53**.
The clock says **7:19:22**
